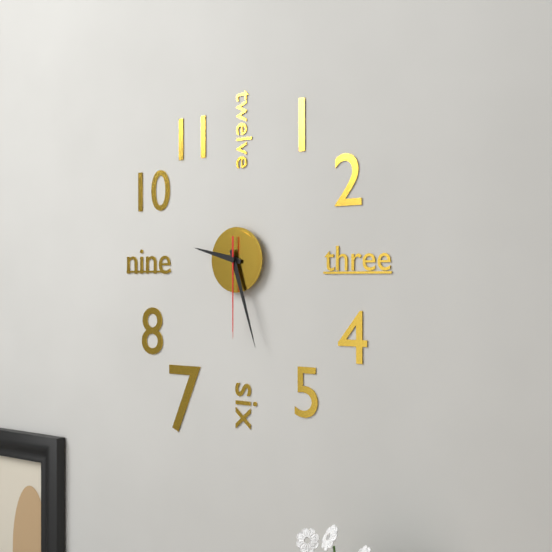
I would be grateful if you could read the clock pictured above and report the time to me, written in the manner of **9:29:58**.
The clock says **9:27:30**
